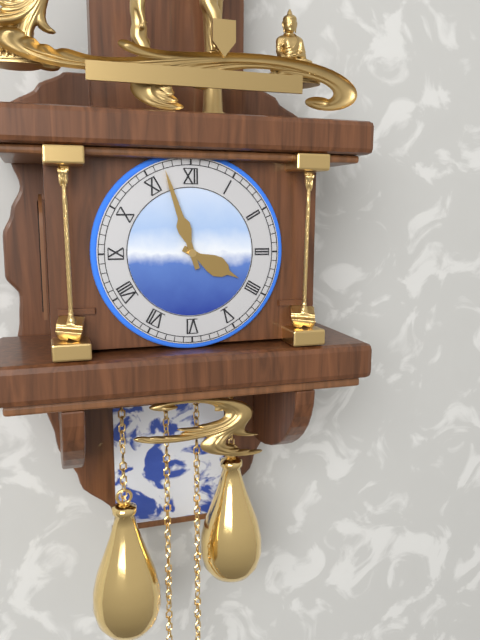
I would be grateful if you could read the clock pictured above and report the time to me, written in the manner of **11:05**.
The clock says **3:57**
